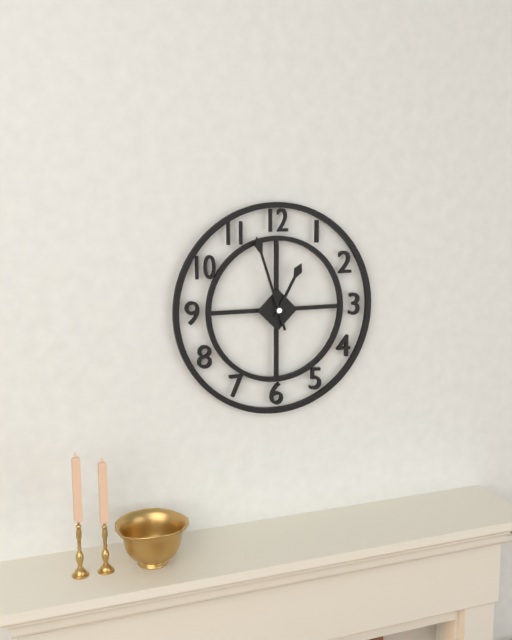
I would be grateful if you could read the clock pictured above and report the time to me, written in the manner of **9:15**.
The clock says **12:57**
